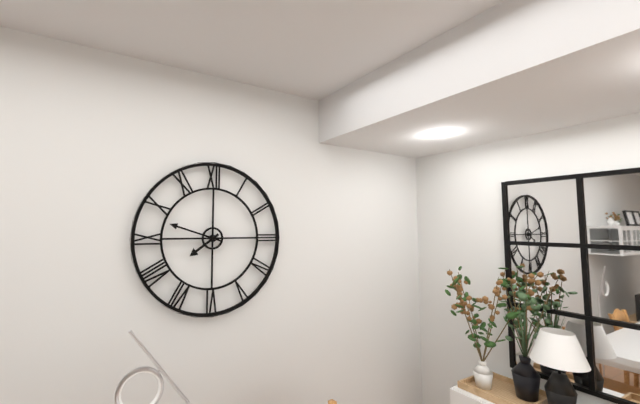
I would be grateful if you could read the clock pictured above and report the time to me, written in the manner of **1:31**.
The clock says **7:48**
